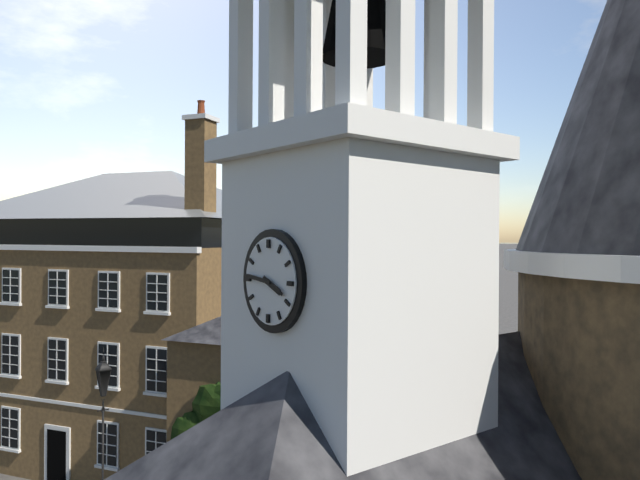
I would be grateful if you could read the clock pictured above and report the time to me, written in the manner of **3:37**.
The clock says **3:46**
